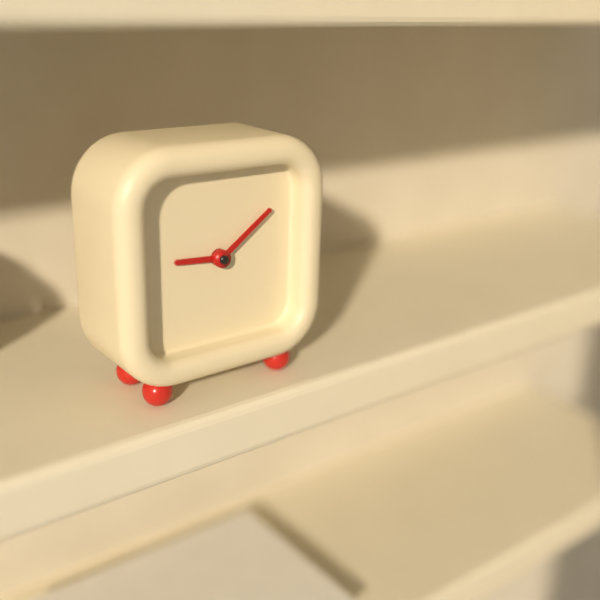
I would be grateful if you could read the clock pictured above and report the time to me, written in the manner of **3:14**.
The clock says **9:09**
